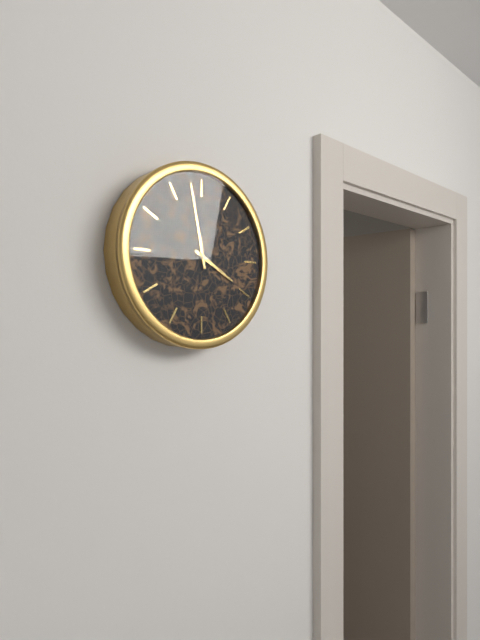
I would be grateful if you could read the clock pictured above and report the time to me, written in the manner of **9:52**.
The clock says **3:58**
